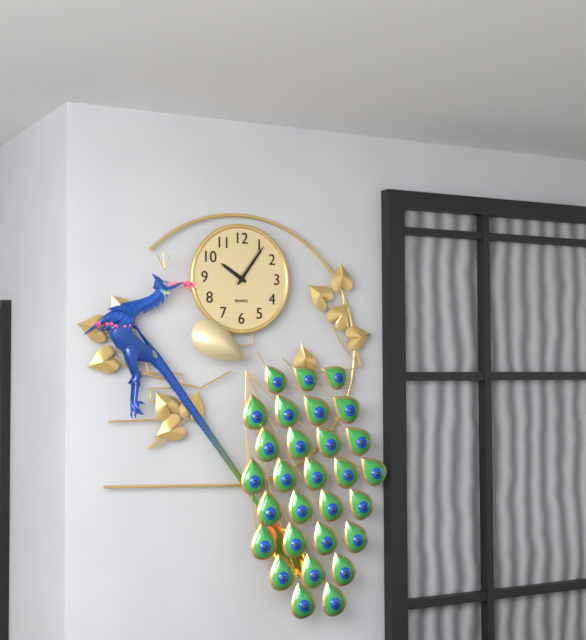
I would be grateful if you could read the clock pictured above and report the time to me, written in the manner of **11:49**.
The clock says **10:06**
